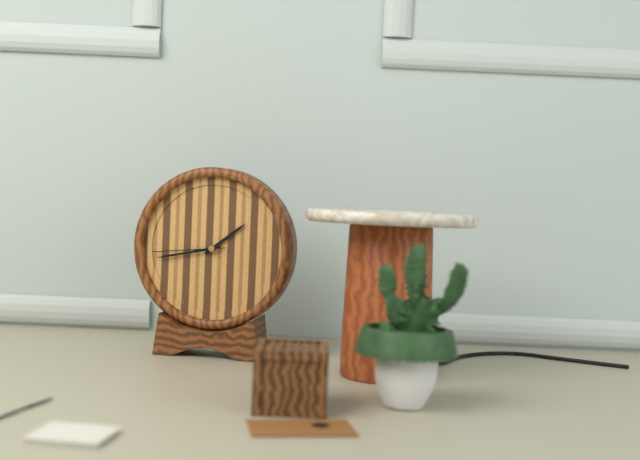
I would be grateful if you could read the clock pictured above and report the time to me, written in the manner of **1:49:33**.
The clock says **1:43:44**
